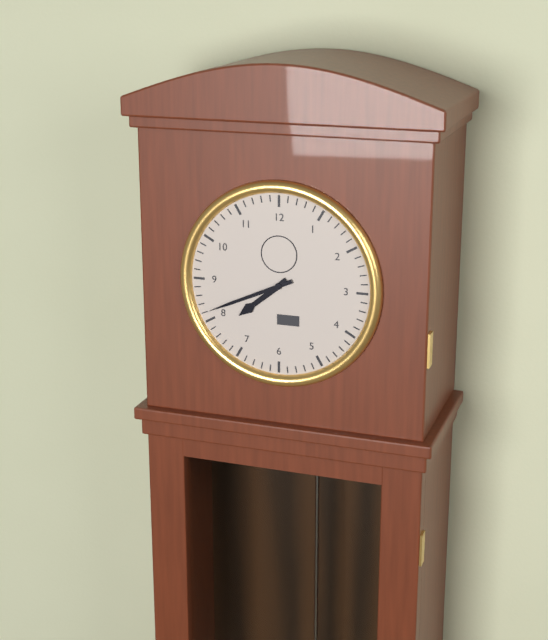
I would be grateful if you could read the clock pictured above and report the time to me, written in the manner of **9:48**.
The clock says **7:41**
